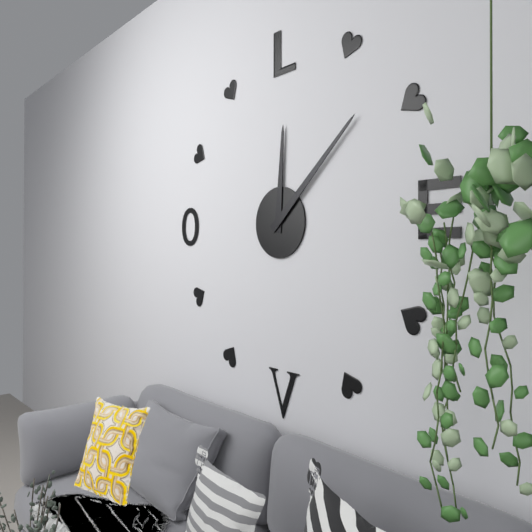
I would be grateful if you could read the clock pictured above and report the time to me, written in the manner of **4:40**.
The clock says **12:08**
